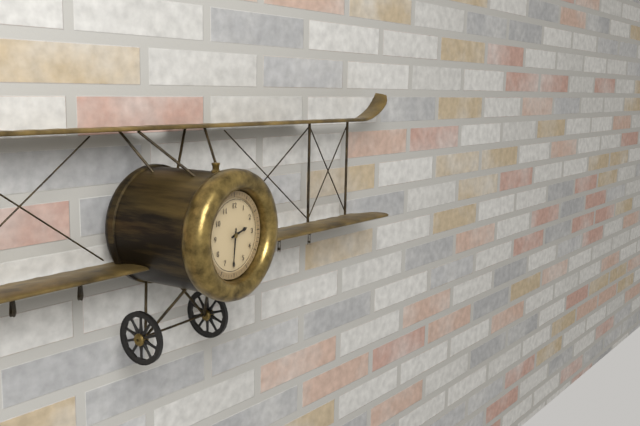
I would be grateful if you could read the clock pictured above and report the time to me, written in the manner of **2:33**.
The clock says **2:31**
